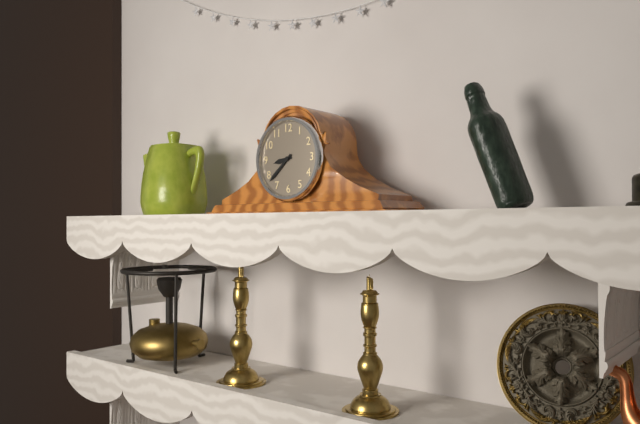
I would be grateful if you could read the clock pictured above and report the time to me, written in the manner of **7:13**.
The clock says **8:38**
